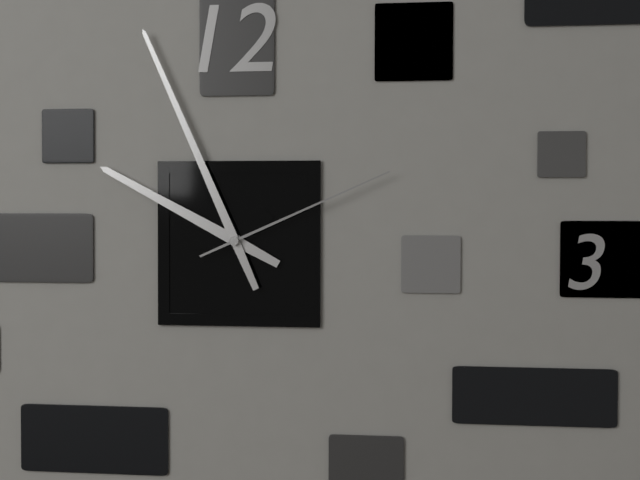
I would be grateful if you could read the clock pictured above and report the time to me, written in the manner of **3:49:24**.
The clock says **9:56:11**
